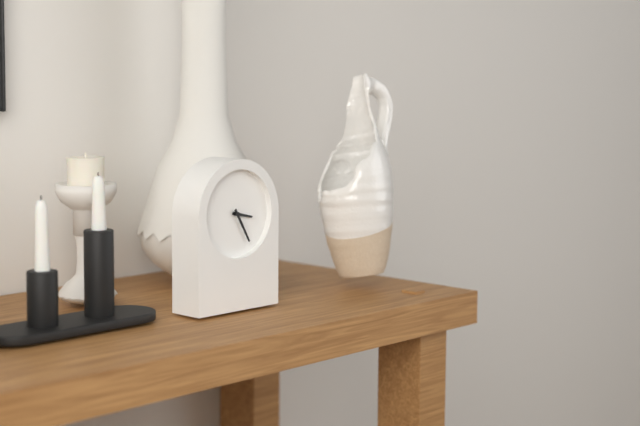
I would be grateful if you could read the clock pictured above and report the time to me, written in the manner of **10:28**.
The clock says **3:25**
